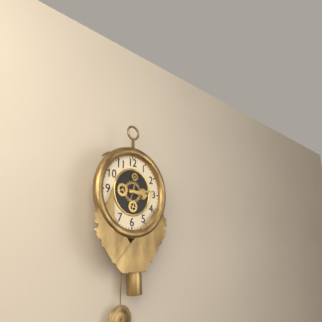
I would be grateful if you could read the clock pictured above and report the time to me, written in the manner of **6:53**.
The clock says **3:14**
